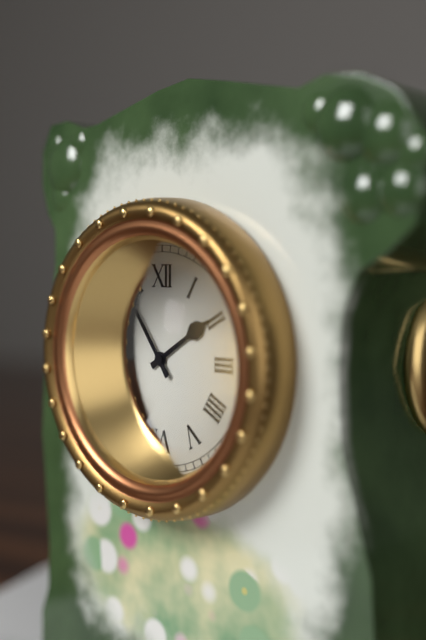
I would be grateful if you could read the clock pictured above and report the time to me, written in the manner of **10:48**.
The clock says **1:54**
